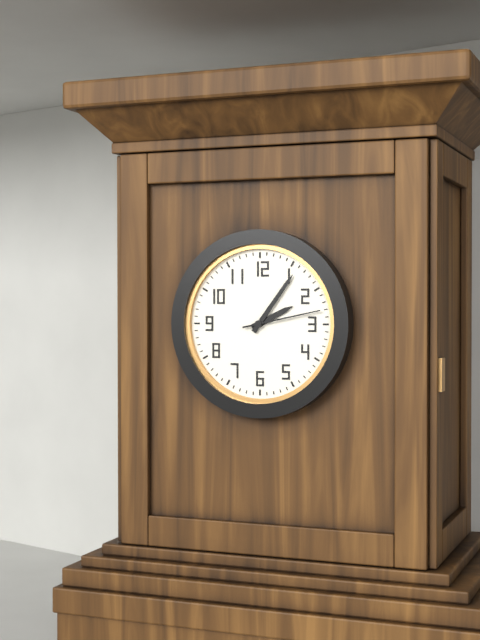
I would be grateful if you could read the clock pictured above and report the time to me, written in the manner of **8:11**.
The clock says **2:06**
